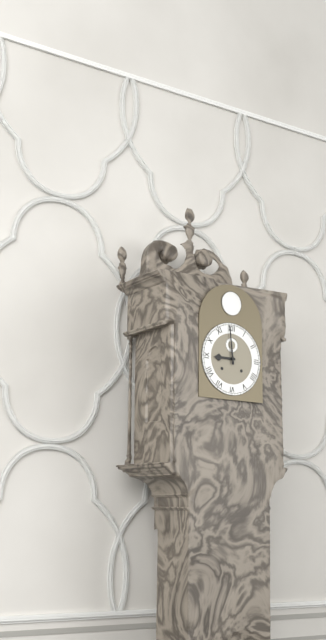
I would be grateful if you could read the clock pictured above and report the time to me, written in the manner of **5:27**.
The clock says **8:59**
